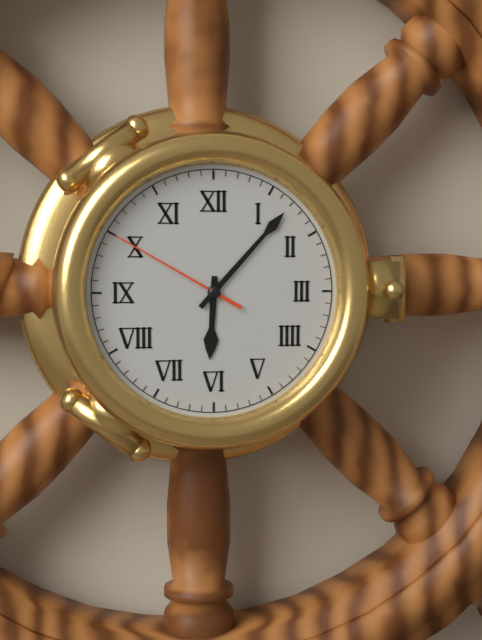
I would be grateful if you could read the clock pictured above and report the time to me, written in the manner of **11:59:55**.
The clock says **6:07:50**
